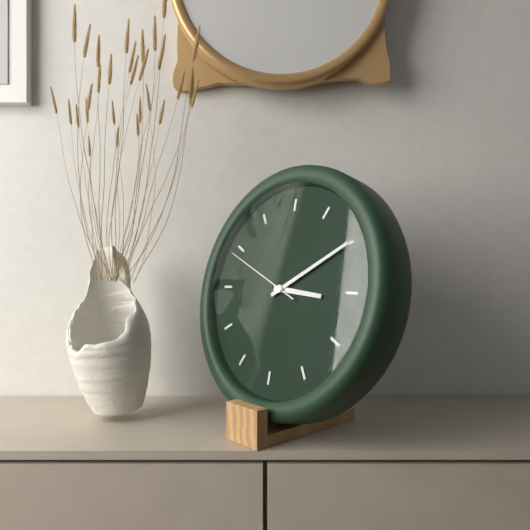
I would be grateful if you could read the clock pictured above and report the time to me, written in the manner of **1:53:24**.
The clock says **3:10:49**
